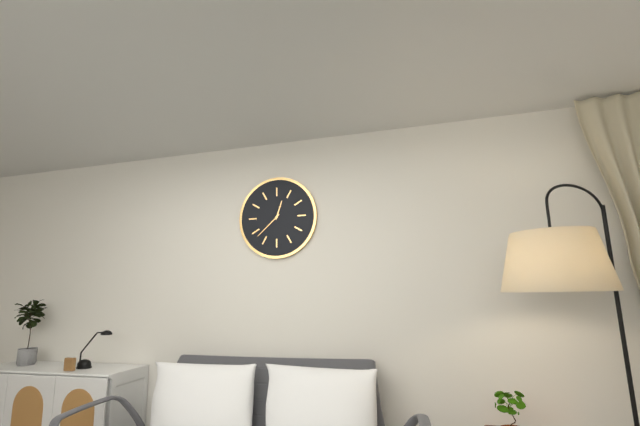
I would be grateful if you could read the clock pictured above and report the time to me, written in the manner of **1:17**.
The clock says **12:38**
